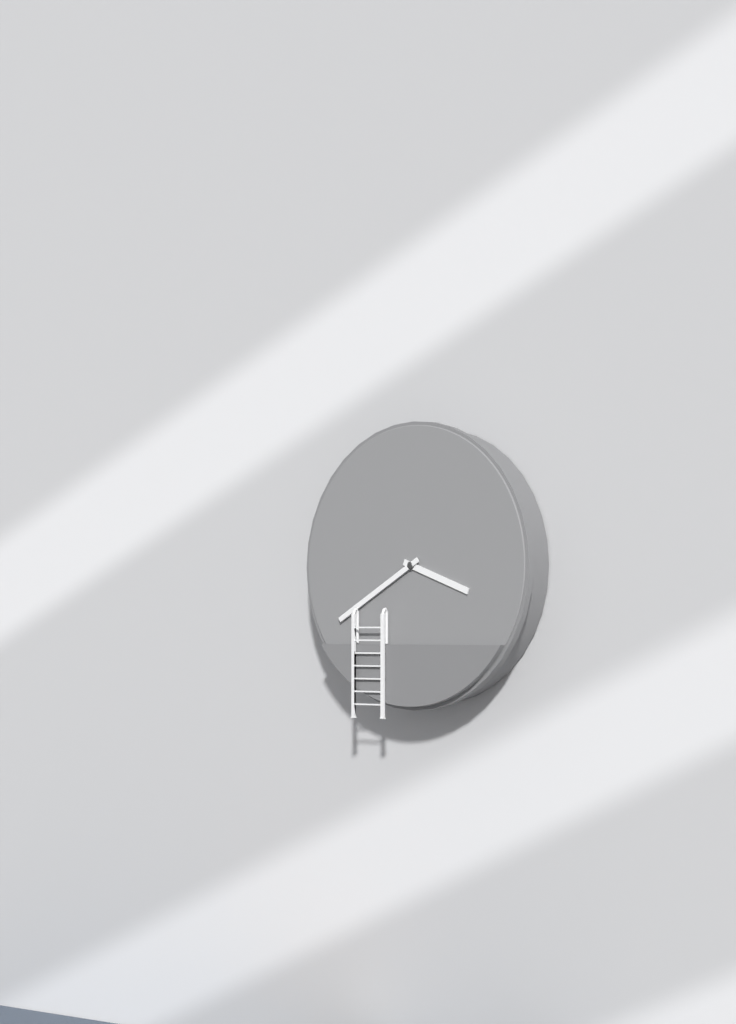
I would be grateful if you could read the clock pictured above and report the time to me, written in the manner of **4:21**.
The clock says **3:40**
